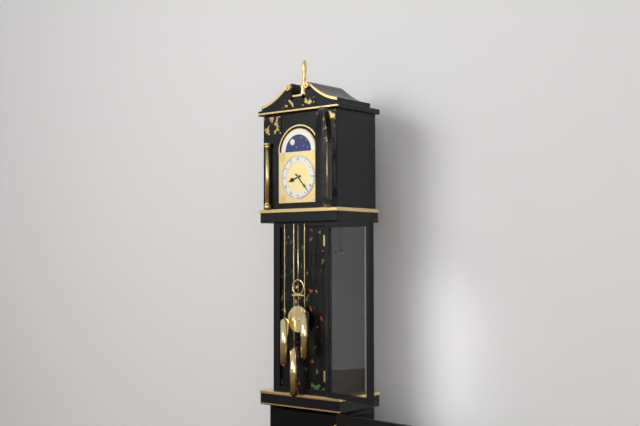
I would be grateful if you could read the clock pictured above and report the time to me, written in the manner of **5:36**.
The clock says **8:23**
